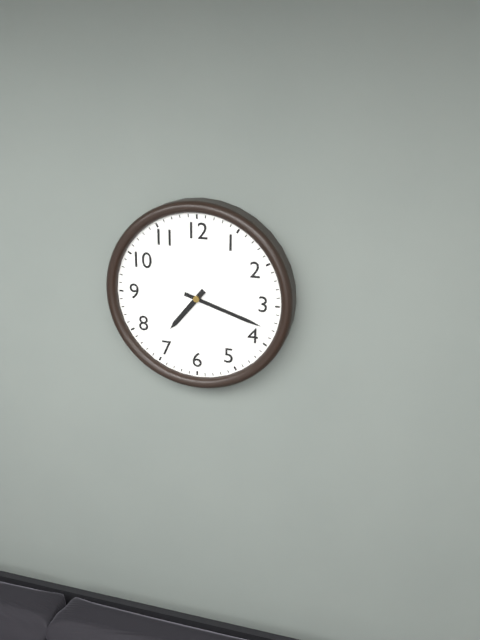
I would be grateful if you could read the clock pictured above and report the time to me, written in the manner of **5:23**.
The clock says **7:18**
